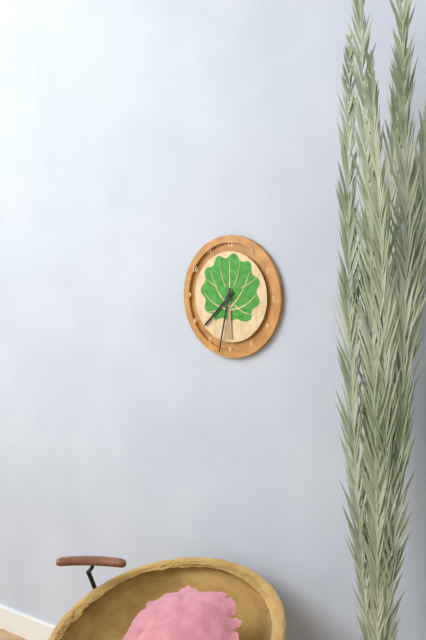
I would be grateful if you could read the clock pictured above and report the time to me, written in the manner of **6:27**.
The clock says **7:32**
